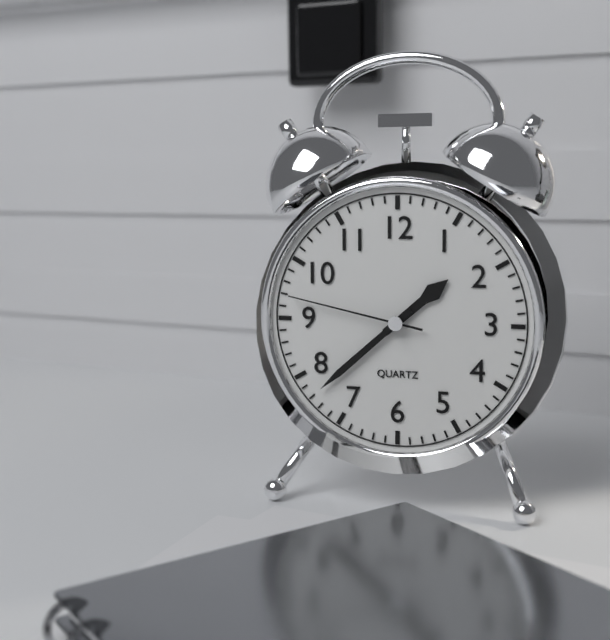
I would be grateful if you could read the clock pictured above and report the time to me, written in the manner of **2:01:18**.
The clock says **1:38:47**
